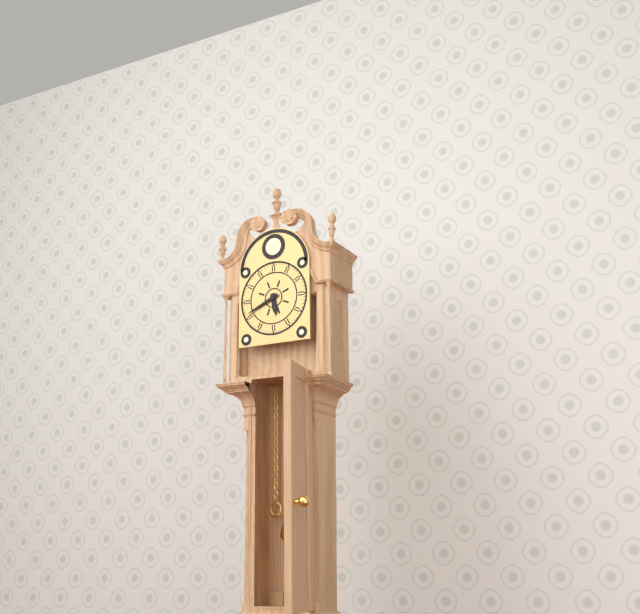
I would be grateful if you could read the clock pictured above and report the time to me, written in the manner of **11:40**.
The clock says **5:41**
